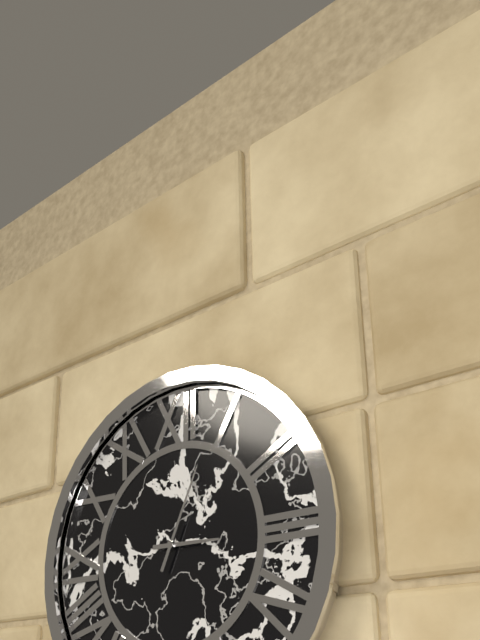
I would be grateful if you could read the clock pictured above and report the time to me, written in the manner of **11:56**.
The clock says **3:04**
